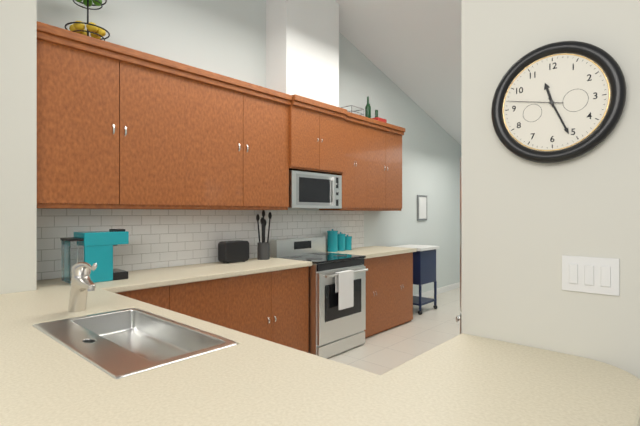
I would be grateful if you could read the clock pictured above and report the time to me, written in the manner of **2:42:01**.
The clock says **11:26:47**
